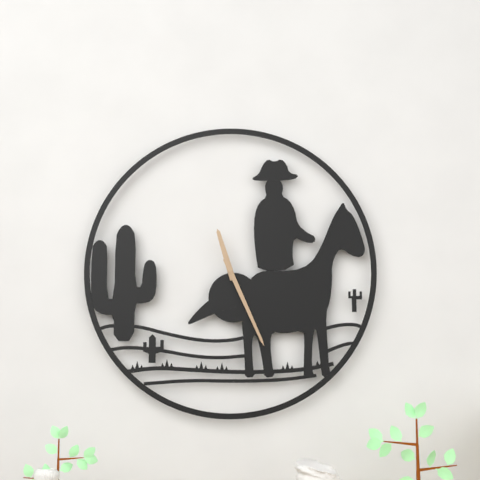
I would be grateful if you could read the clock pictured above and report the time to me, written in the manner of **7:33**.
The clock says **11:26**
